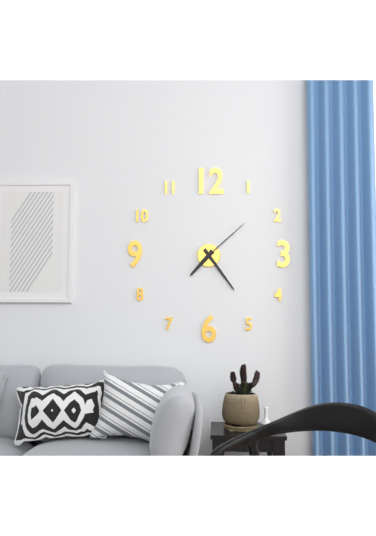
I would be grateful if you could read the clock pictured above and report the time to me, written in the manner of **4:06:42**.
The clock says **7:24:08**
